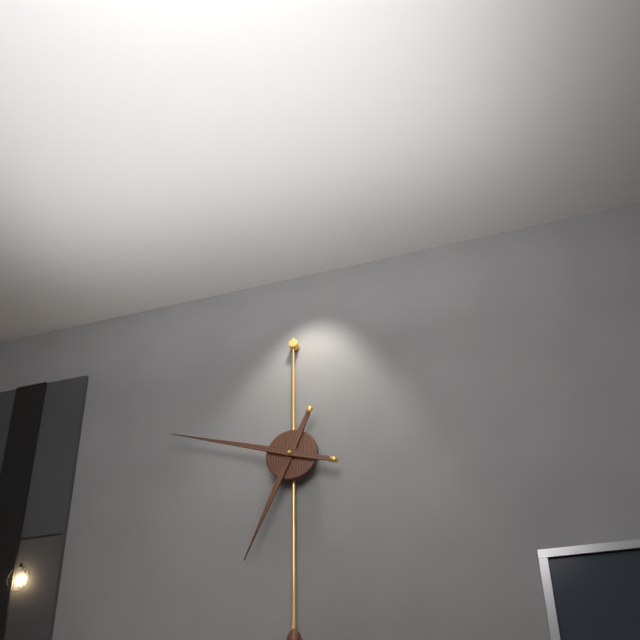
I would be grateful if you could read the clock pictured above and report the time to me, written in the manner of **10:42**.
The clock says **6:48**
